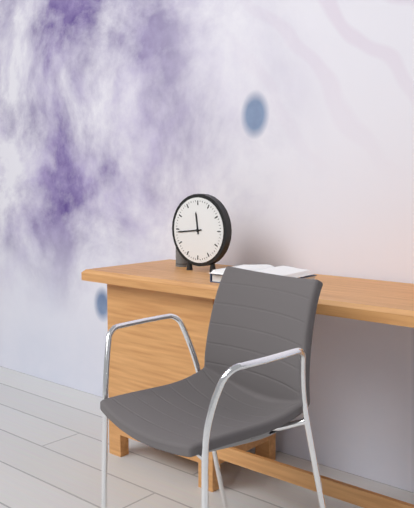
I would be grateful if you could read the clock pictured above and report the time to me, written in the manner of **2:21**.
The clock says **11:44**
